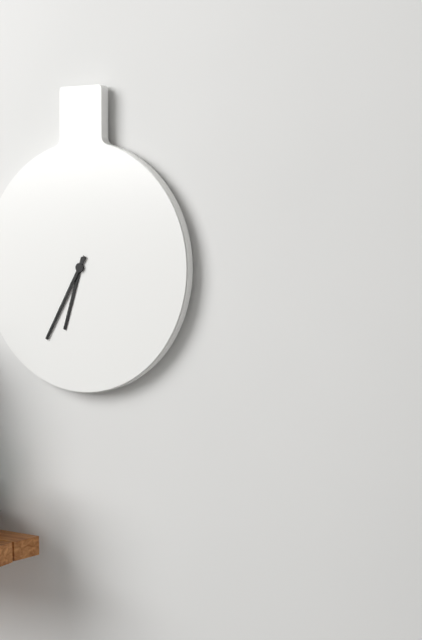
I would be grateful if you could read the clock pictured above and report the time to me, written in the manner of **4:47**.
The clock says **6:35**
